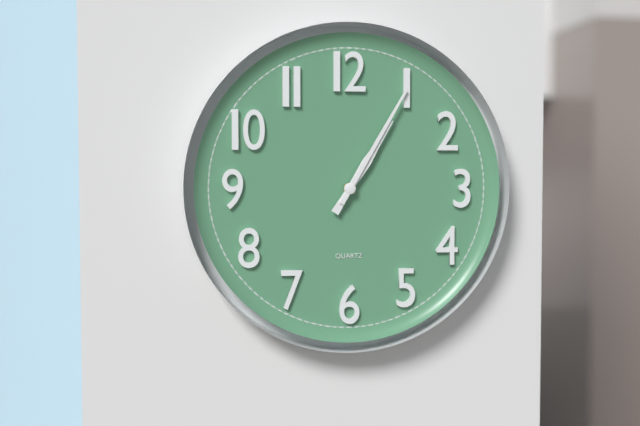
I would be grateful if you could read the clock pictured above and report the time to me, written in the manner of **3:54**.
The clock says **1:05**
